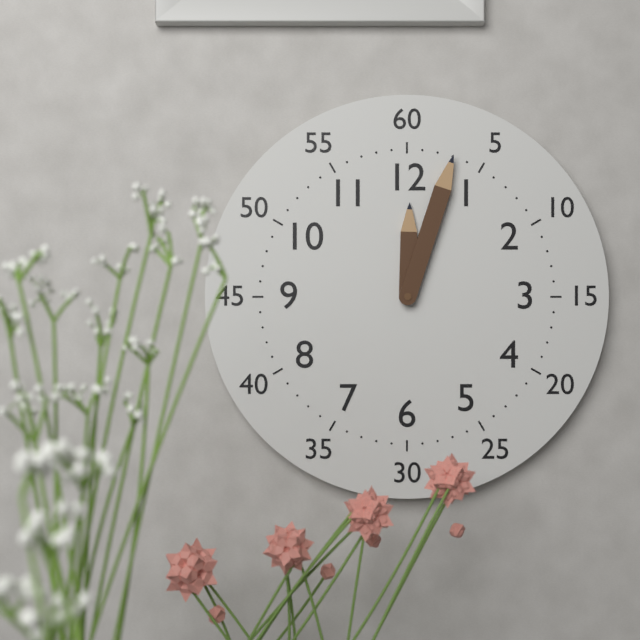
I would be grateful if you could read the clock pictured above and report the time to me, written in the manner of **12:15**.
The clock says **12:03**
